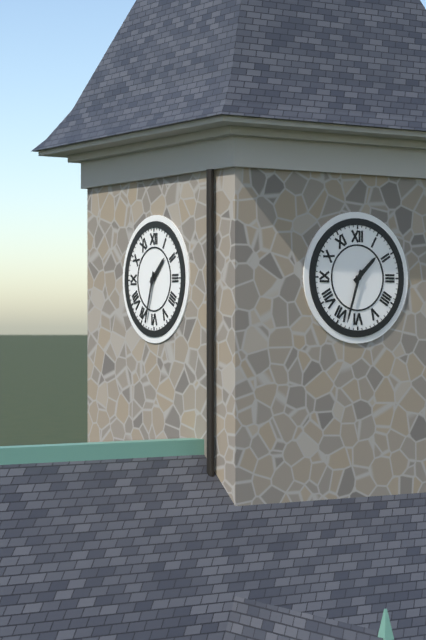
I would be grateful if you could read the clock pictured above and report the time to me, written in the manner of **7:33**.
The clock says **1:33**
